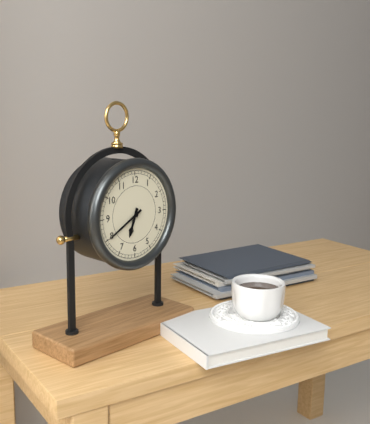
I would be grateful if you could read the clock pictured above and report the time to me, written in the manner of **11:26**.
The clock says **6:40**
